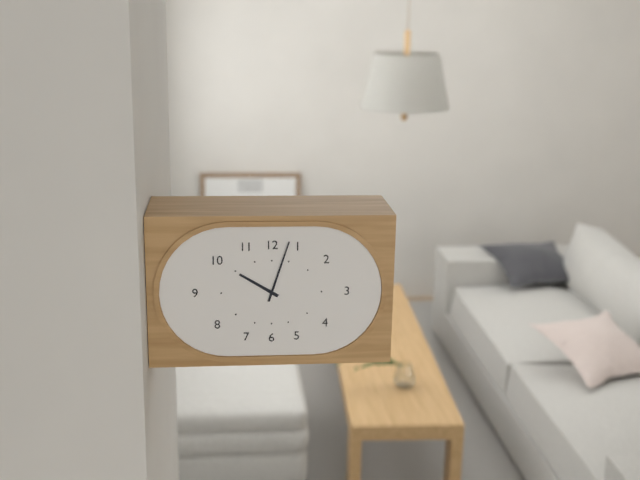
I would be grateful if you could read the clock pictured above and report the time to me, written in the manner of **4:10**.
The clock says **10:03**
